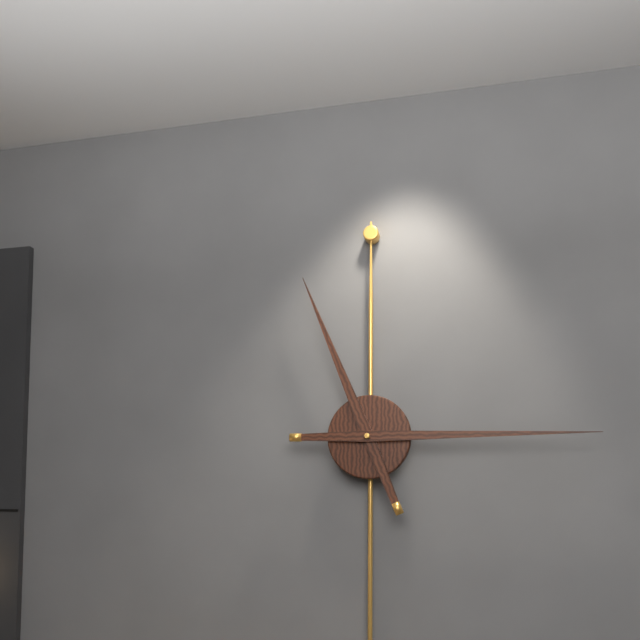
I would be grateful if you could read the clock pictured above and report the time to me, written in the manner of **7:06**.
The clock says **11:15**
